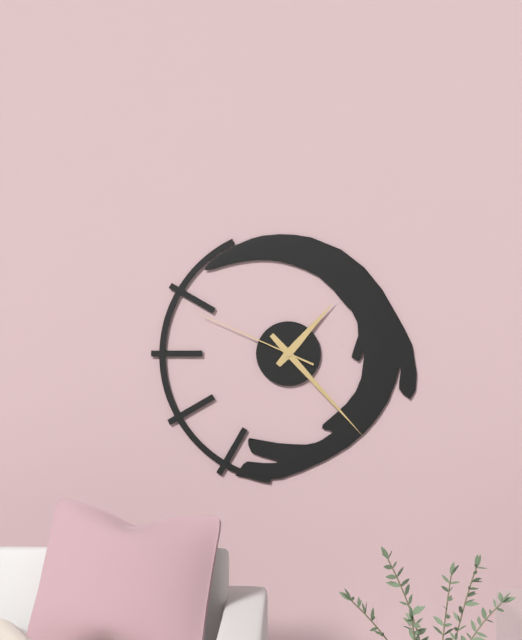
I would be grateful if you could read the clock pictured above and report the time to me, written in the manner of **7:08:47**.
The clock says **1:23:49**
